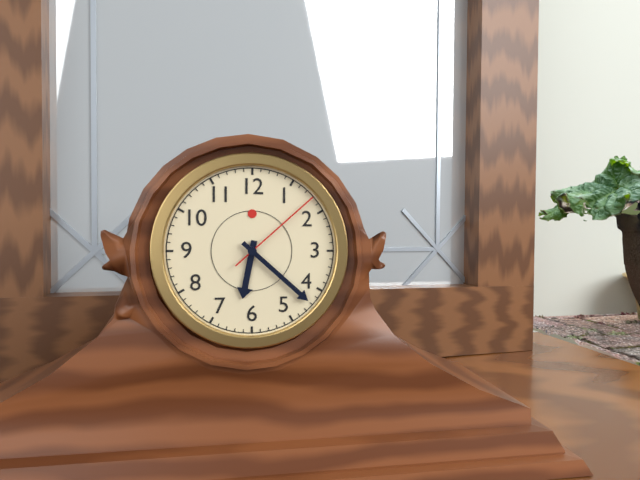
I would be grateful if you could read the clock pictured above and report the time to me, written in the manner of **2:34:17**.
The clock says **6:22:08**
